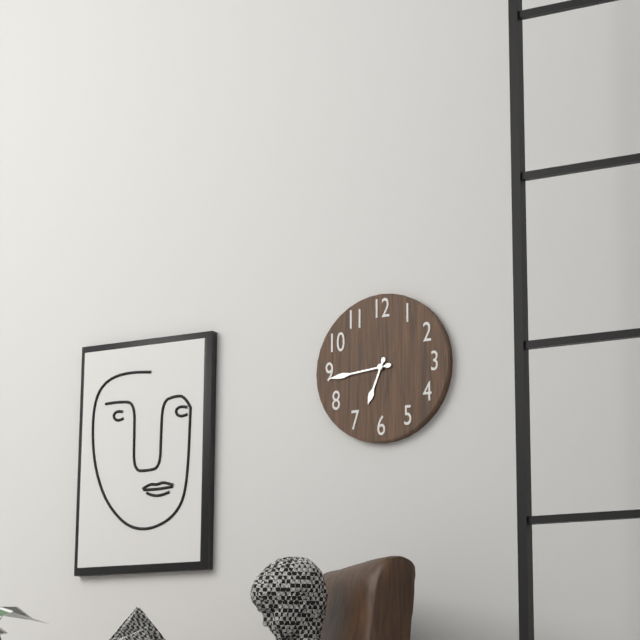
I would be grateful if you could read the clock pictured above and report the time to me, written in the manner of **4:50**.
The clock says **6:44**
